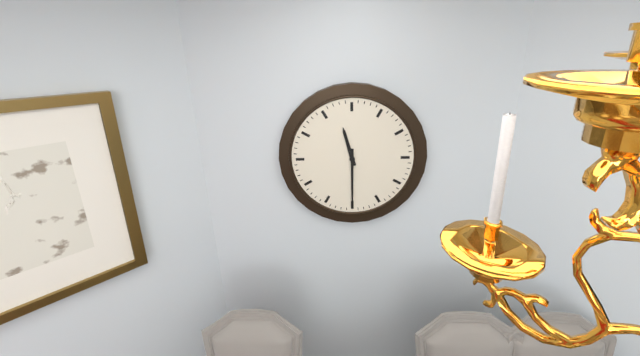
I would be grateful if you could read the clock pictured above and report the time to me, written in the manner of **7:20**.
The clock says **11:30**
